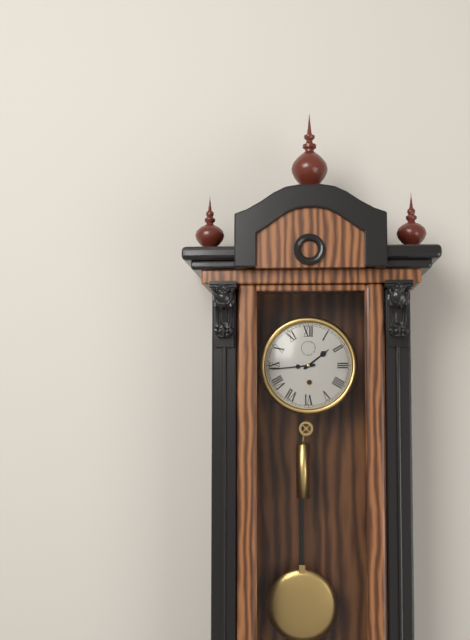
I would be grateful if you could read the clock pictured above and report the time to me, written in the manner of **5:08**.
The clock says **1:44**
